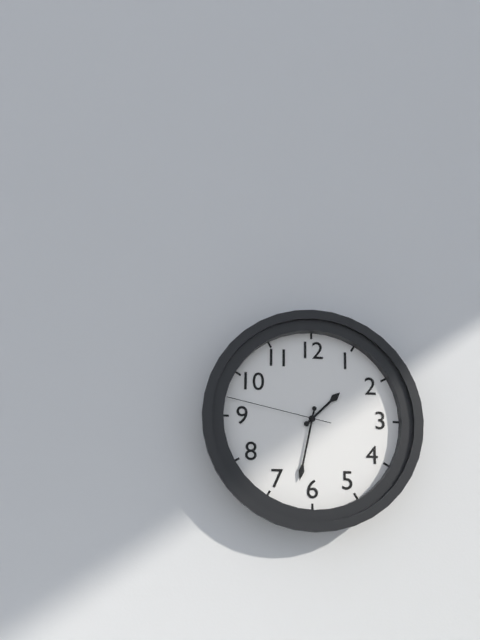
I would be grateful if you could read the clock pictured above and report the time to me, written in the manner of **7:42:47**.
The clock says **1:32:47**
